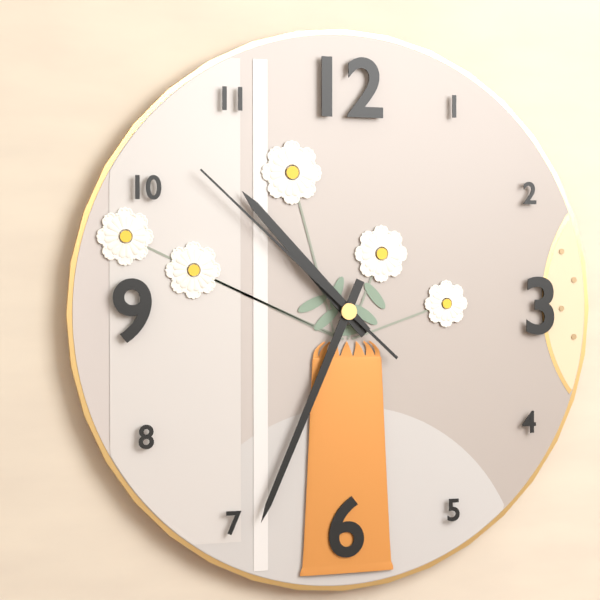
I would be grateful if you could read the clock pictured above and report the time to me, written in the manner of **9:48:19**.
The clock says **10:34:52**
